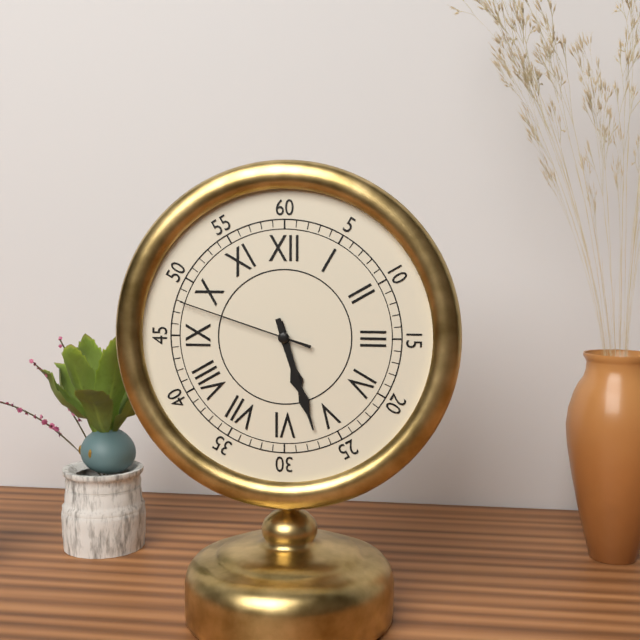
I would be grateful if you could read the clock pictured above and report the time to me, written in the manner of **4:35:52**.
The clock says **5:27:48**
